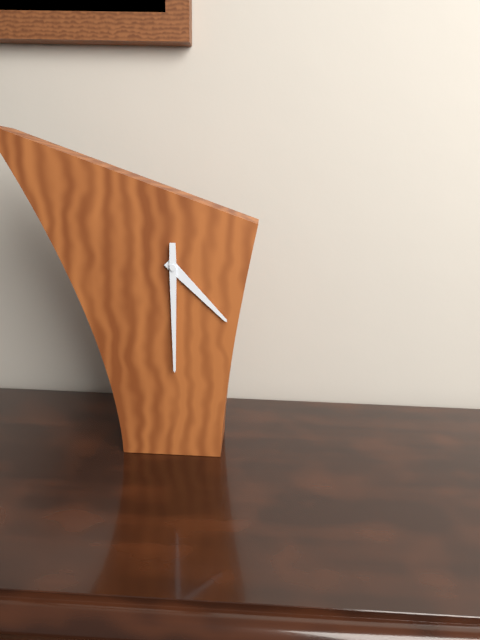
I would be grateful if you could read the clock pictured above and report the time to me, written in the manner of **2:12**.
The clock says **4:30**
